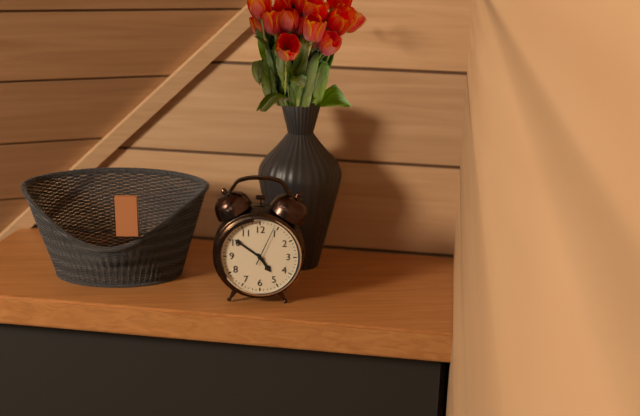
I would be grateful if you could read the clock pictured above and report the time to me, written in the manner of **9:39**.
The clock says **4:51**
